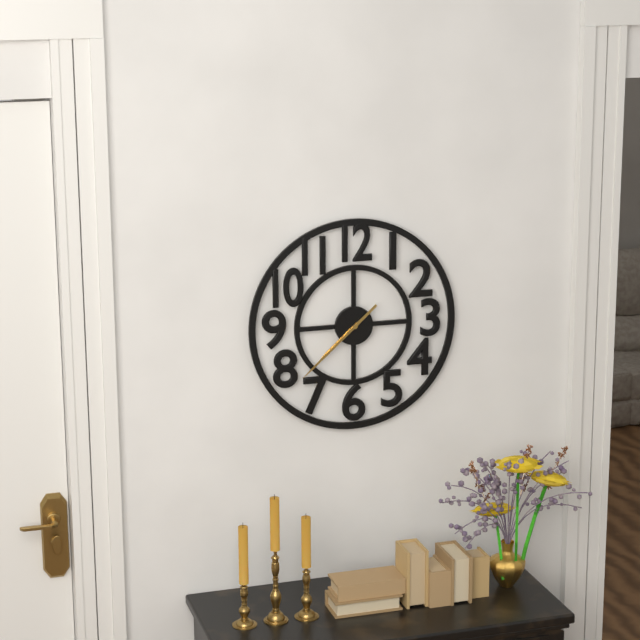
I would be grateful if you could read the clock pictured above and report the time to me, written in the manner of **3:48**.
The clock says **7:38**
